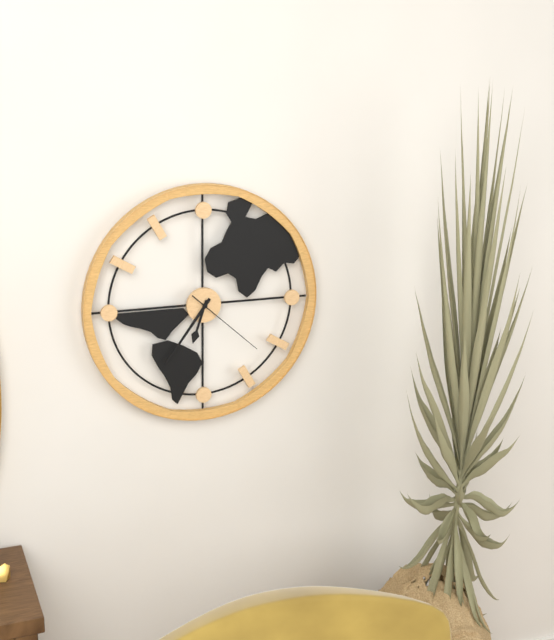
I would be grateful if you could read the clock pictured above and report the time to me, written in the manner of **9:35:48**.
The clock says **6:36:22**
